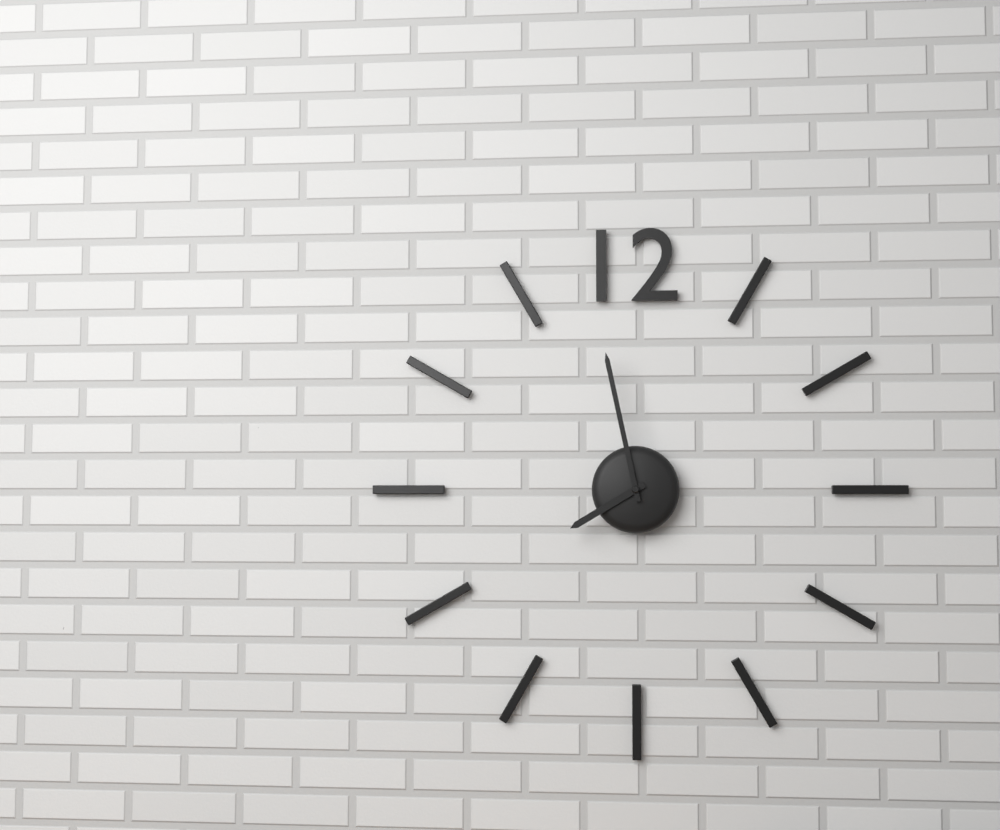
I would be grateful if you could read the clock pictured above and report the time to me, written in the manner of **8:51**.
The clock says **7:58**
